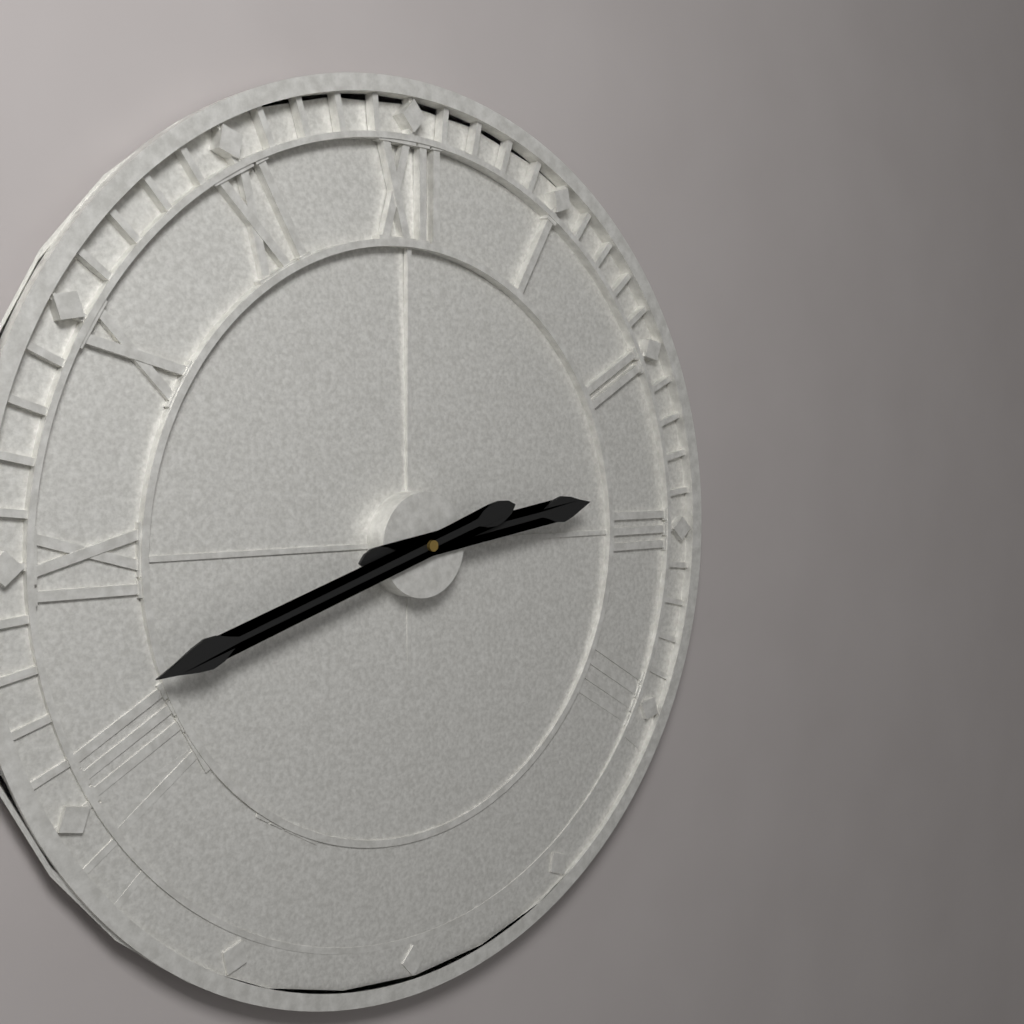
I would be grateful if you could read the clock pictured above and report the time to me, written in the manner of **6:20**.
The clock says **2:42**
